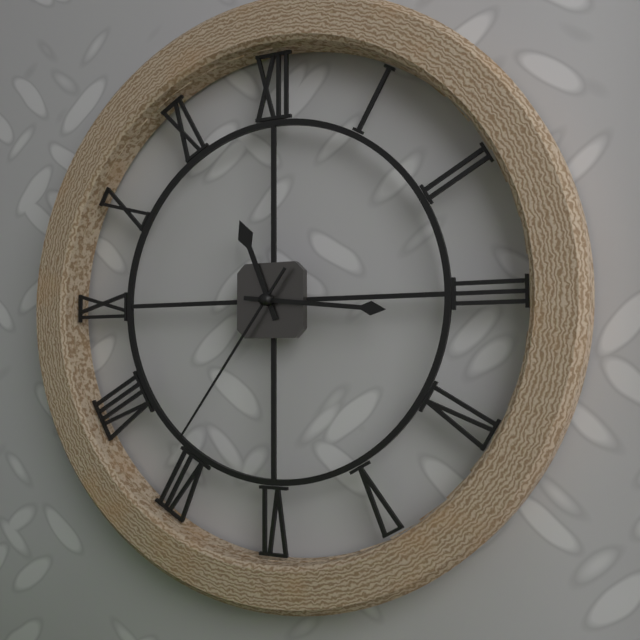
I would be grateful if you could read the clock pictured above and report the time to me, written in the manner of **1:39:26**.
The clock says **11:16:36**
